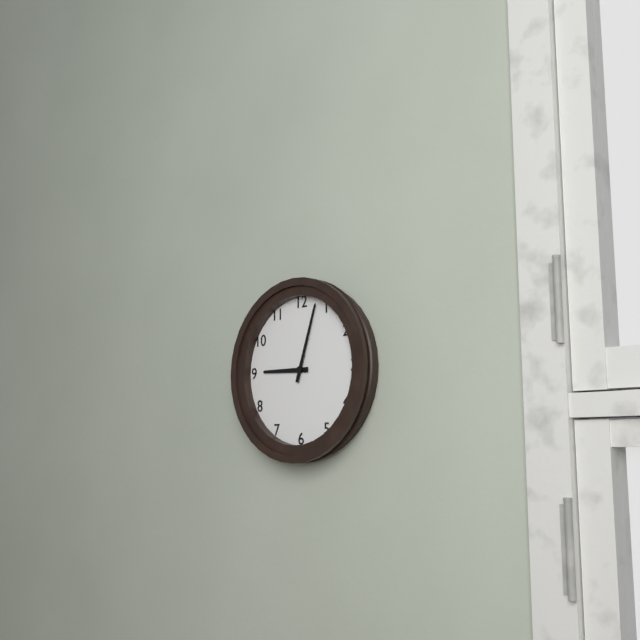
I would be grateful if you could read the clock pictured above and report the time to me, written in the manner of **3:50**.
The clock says **9:03**
